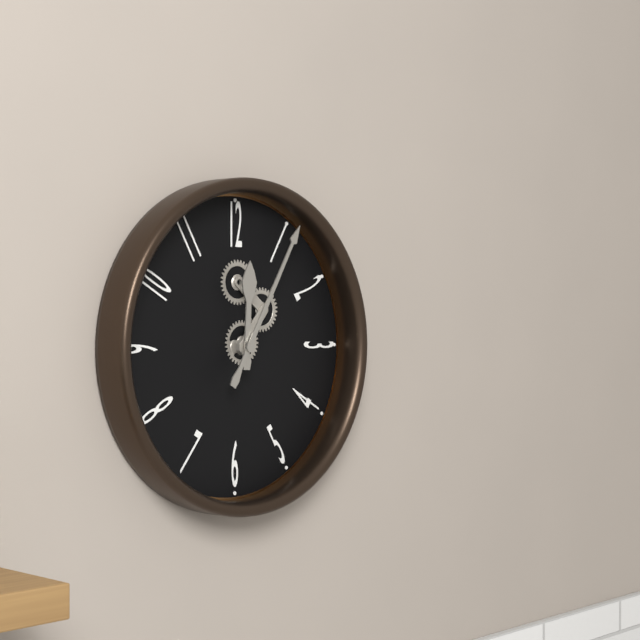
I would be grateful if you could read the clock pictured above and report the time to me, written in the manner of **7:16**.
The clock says **12:05**
